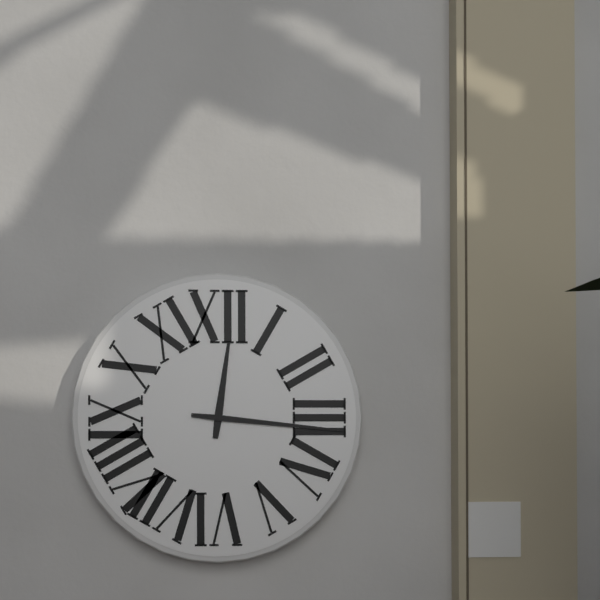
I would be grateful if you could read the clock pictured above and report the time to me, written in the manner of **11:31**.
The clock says **12:16**
